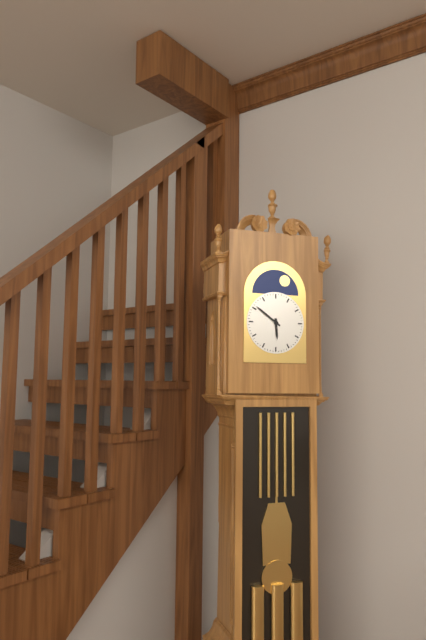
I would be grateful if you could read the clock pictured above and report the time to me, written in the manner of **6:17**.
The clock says **5:51**
